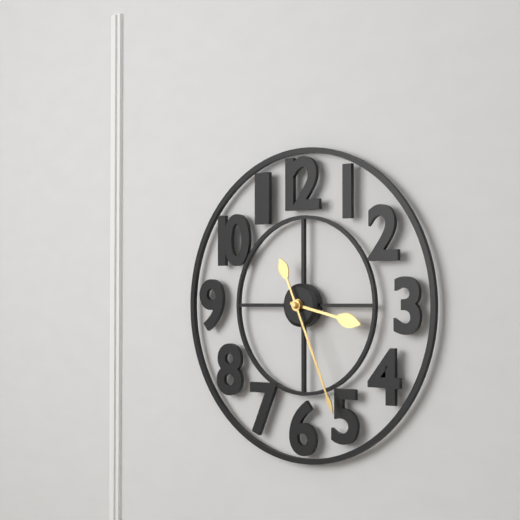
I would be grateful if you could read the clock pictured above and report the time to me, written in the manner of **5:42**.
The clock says **3:26**
